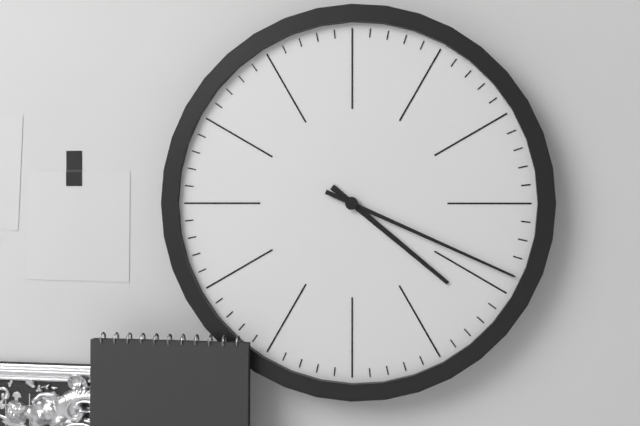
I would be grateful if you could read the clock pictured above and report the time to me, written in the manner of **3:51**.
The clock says **4:19**
